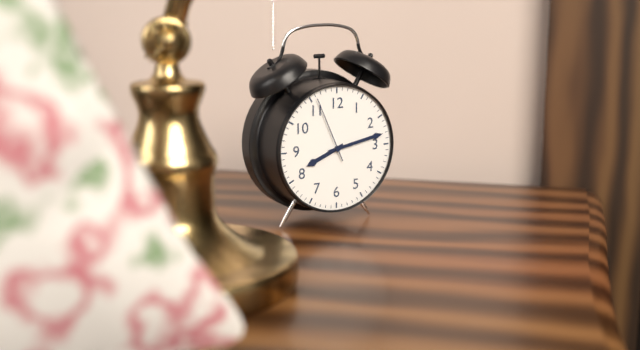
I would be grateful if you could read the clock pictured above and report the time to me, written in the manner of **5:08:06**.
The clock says **8:13:56**
